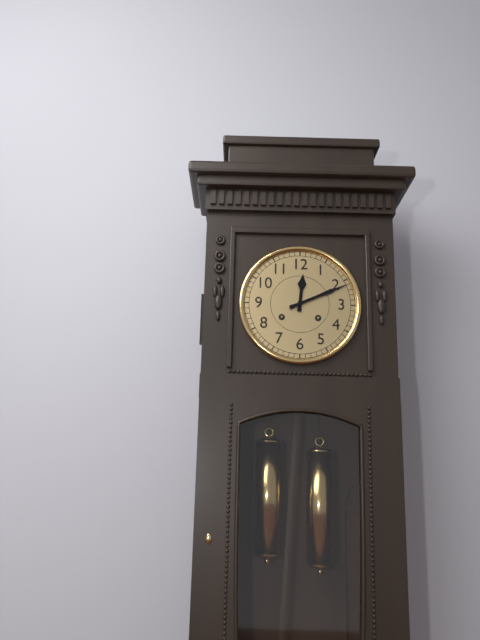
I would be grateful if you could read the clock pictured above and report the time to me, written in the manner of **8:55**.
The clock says **12:11**
